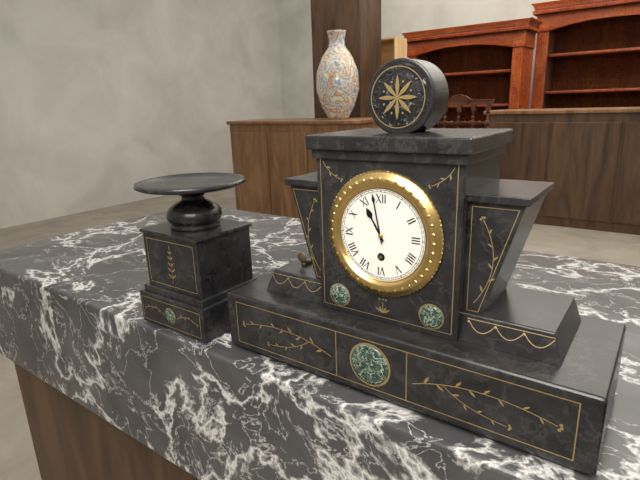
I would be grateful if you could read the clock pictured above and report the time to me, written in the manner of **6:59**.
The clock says **10:58**
